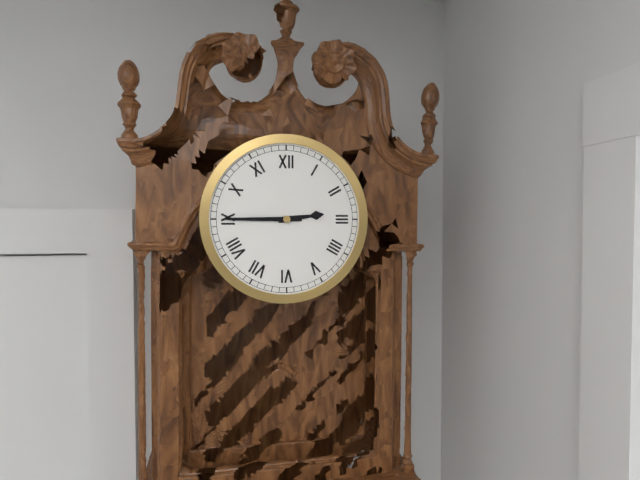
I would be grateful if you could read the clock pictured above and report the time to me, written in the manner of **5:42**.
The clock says **2:45**
